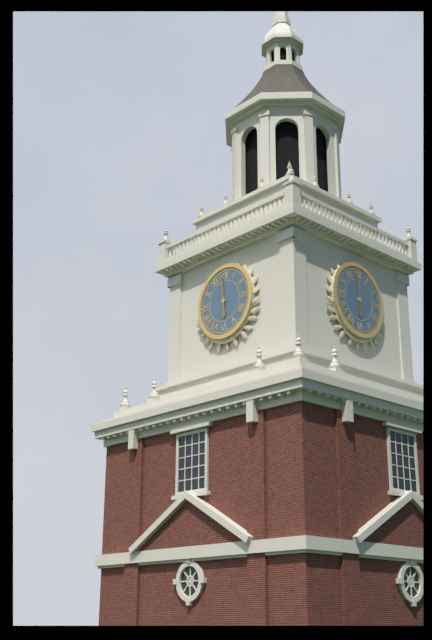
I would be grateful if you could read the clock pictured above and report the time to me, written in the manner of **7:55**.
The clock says **5:59**
